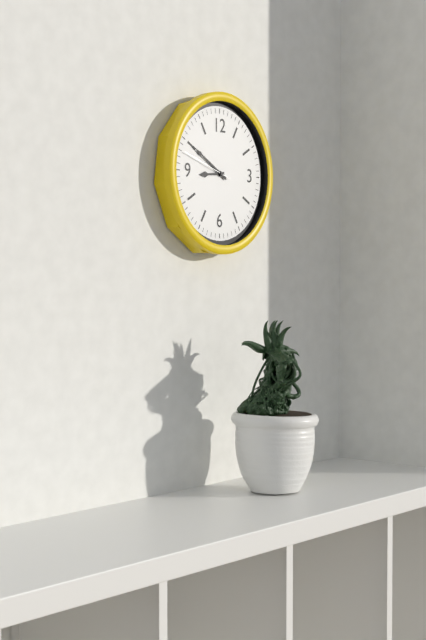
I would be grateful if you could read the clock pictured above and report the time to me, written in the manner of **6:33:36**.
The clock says **8:50:48**
